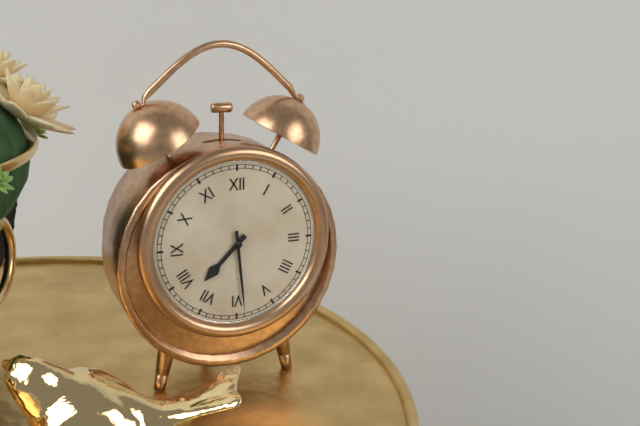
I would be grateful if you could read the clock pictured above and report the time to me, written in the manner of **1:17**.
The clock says **7:29**
